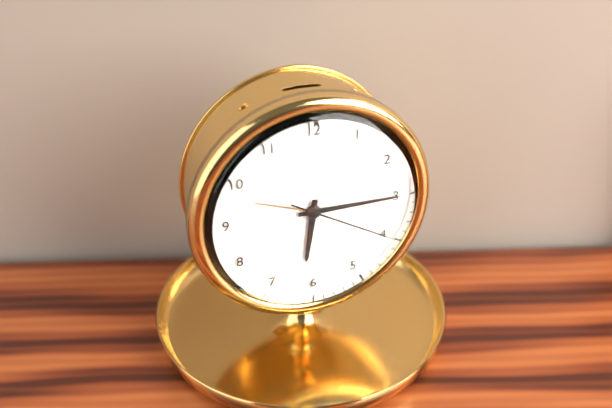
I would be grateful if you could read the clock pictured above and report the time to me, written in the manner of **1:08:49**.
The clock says **6:15:20**
